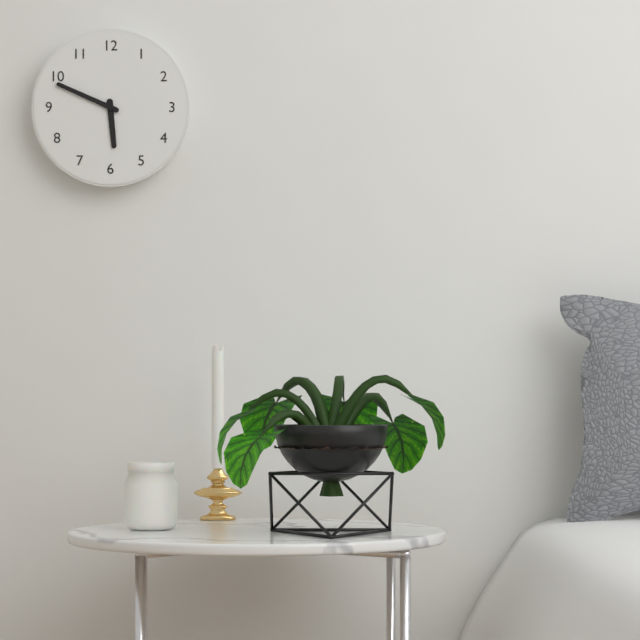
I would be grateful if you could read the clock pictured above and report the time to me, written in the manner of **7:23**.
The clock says **5:49**
